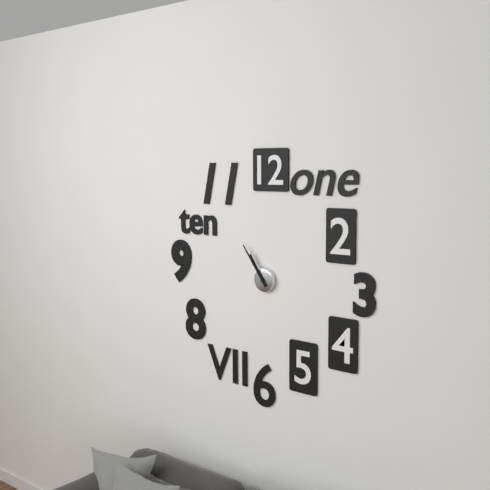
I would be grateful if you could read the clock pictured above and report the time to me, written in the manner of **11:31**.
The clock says **10:54**
